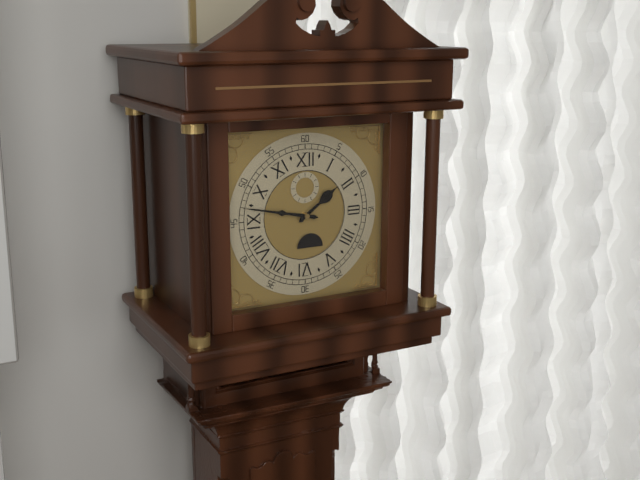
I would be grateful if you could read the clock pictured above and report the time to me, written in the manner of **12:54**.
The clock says **1:47**
